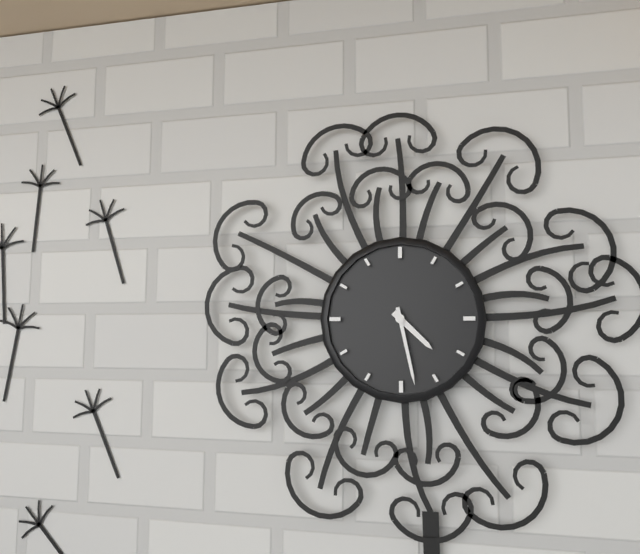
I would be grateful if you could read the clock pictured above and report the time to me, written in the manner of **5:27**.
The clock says **4:28**
